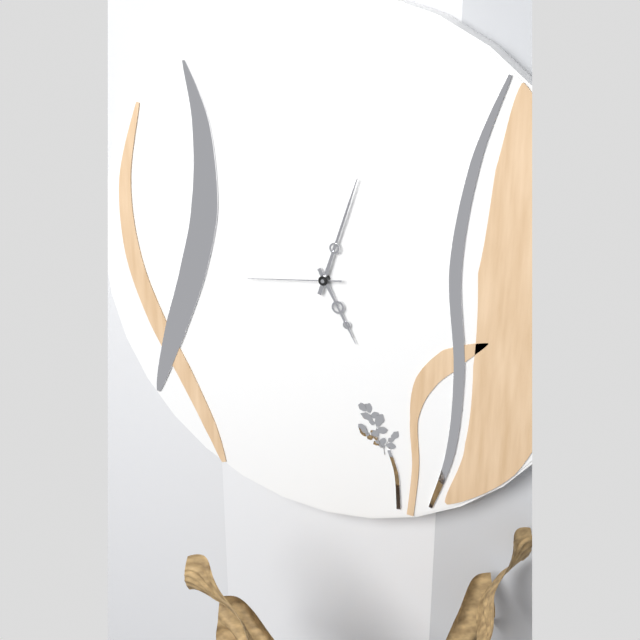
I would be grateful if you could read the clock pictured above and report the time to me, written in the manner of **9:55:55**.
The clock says **5:03:44**
